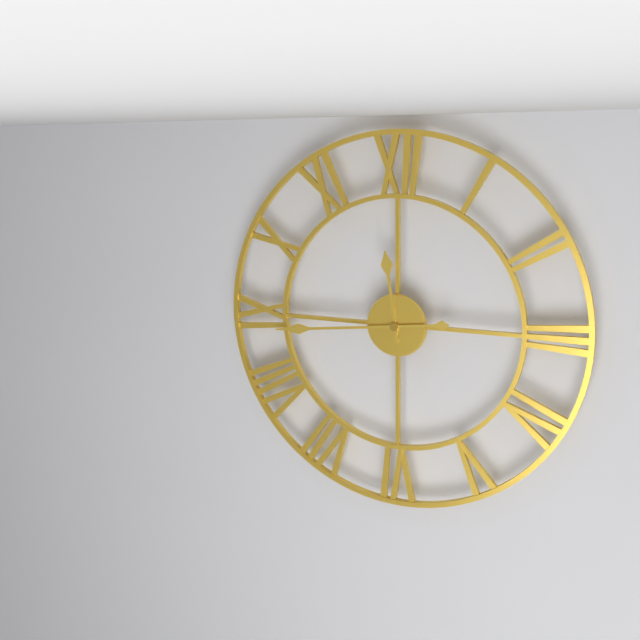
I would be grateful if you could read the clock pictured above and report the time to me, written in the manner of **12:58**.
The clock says **11:44**
